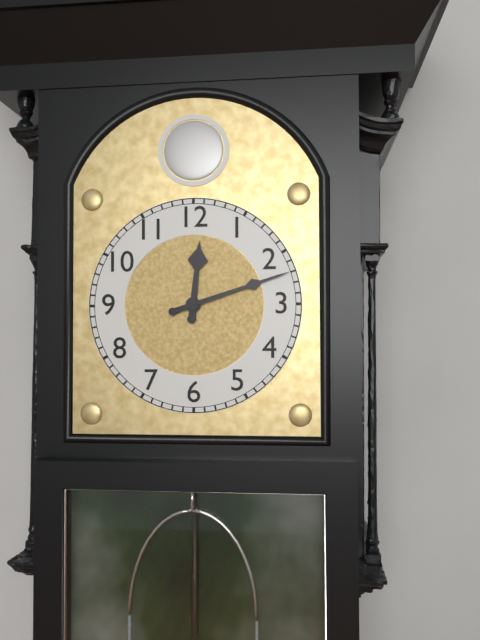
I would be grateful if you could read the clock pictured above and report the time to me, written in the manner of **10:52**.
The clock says **12:12**
